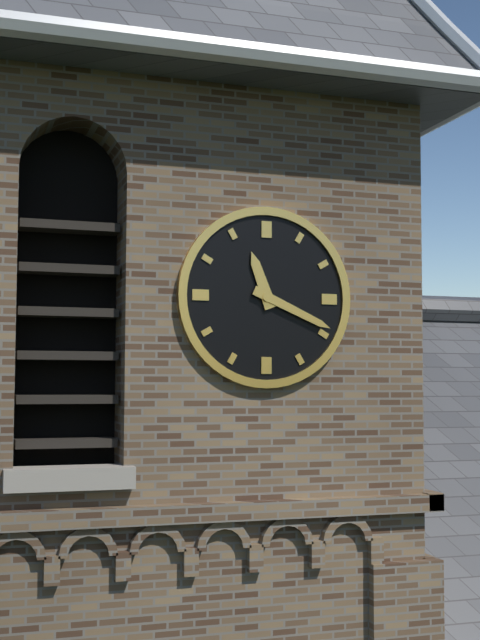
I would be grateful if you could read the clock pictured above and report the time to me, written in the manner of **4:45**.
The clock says **11:19**
